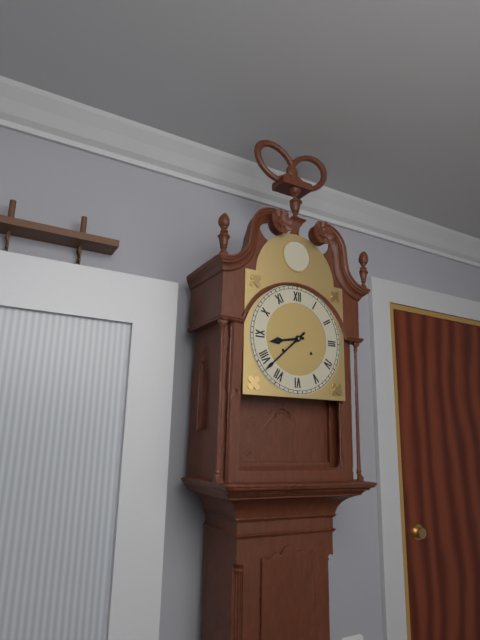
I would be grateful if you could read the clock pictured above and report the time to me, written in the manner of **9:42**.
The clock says **8:38**
